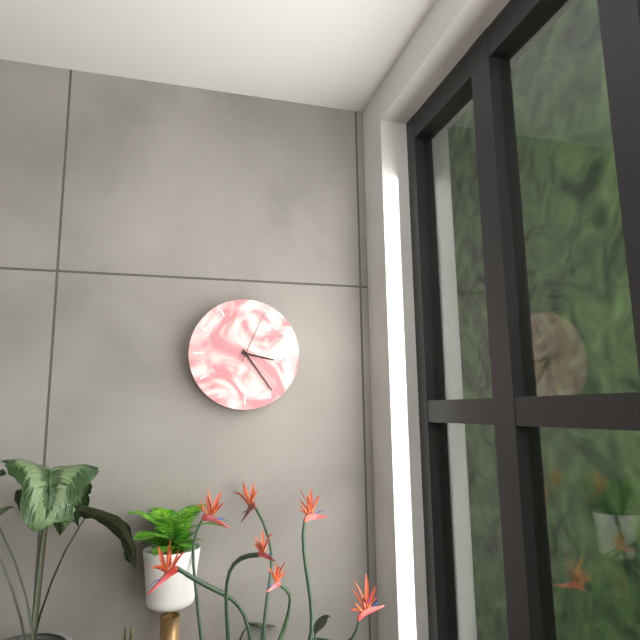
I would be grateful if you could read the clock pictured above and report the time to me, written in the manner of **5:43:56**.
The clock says **3:24:04**
